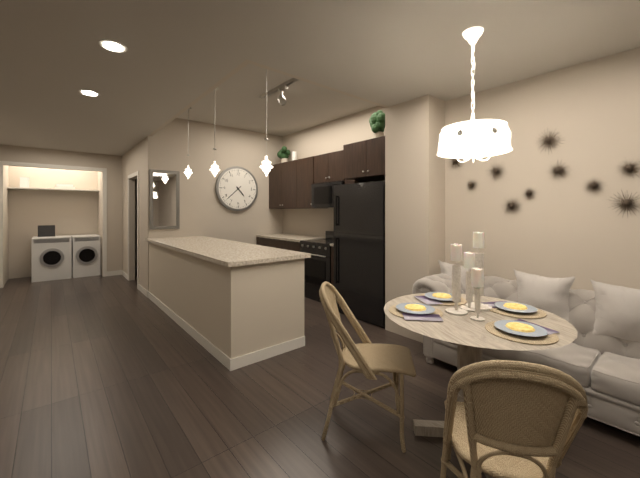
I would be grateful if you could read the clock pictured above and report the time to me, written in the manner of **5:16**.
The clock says **4:38**
